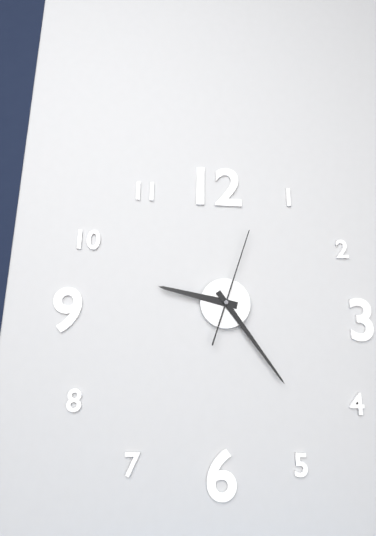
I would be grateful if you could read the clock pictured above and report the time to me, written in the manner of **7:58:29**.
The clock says **9:24:03**
